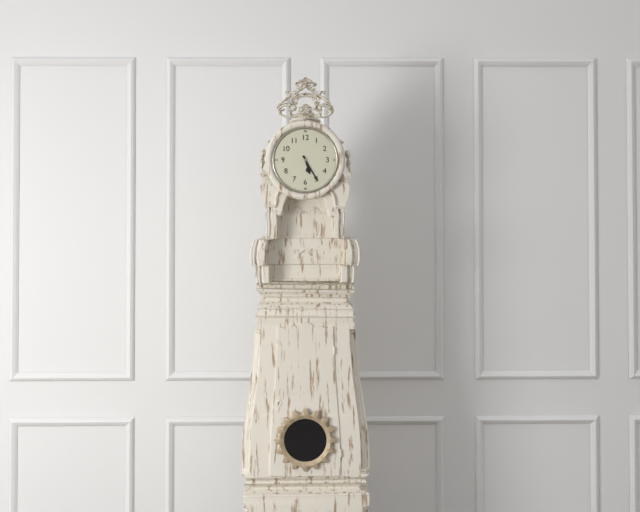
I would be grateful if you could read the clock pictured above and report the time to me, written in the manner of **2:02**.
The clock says **5:25**
